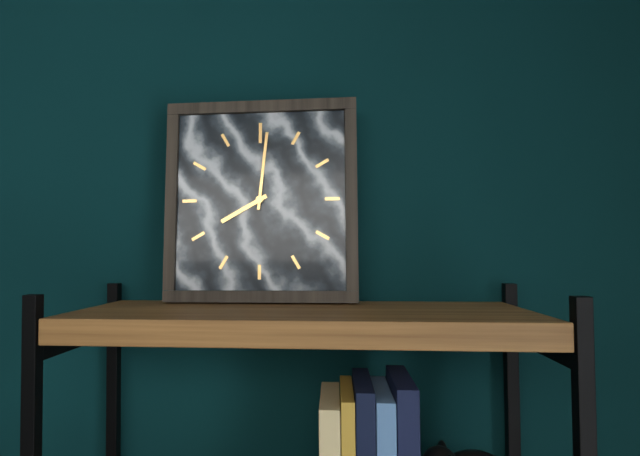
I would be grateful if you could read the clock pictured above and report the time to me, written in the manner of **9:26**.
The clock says **8:01**
